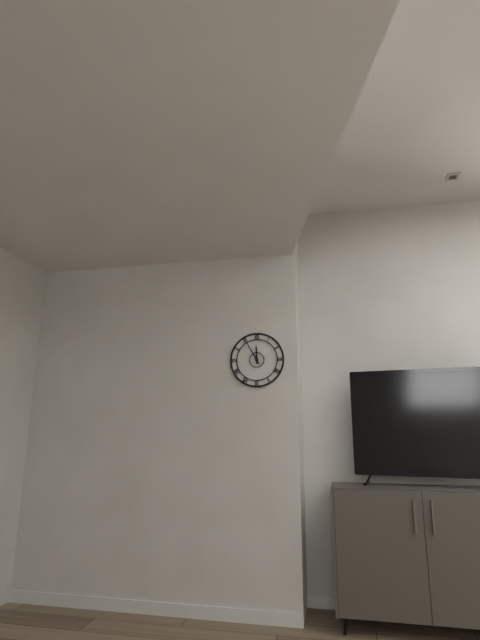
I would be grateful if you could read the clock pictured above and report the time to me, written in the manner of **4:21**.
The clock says **11:55**
